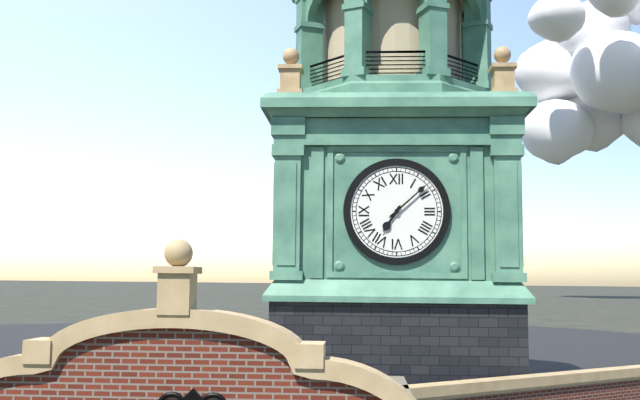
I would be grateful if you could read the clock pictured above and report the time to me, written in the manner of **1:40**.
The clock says **7:08**
